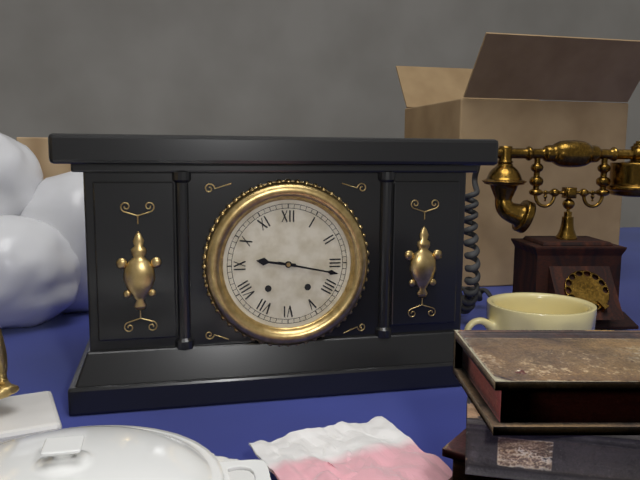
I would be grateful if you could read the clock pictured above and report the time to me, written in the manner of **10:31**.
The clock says **9:17**
